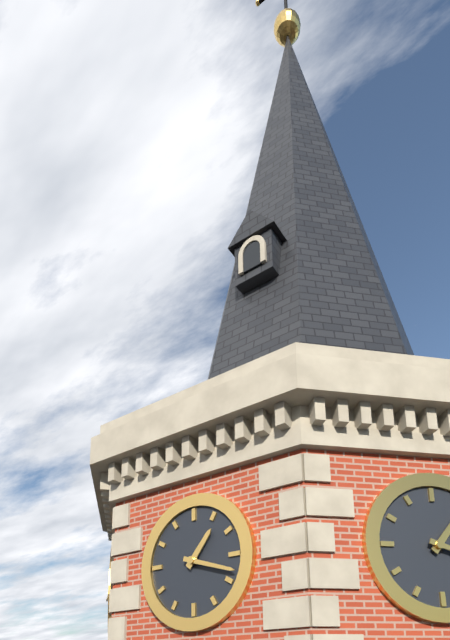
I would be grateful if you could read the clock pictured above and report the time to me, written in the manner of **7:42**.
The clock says **1:18**
